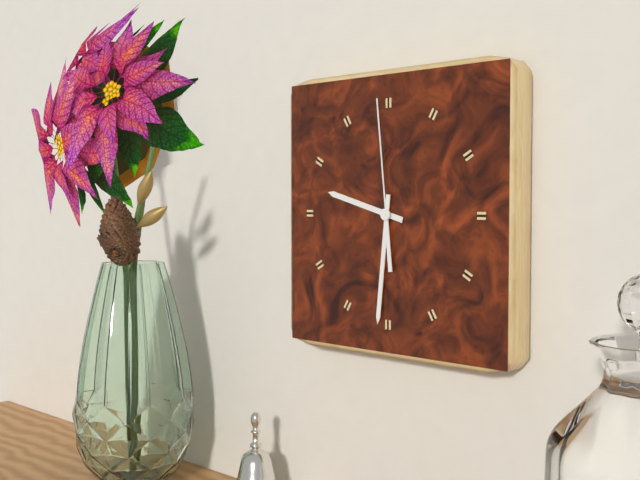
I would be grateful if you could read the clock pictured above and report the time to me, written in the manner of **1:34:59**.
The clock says **9:31:59**
